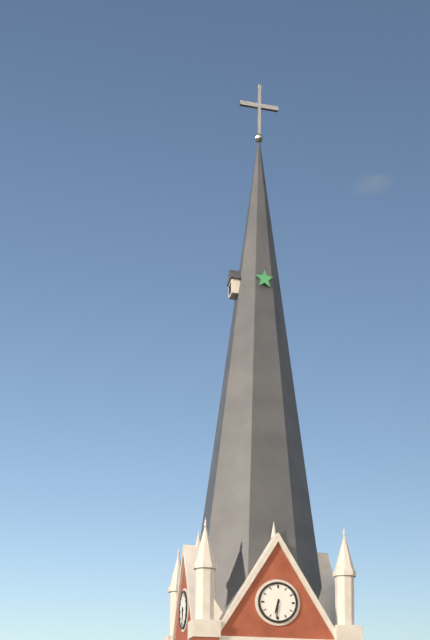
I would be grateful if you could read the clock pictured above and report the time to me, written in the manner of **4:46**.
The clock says **6:31**
